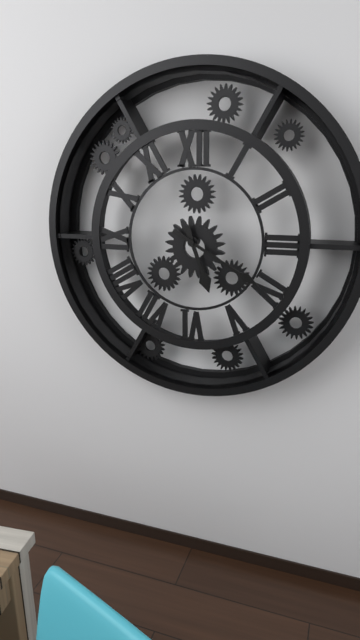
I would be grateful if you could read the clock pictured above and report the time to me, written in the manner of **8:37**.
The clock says **5:20**
